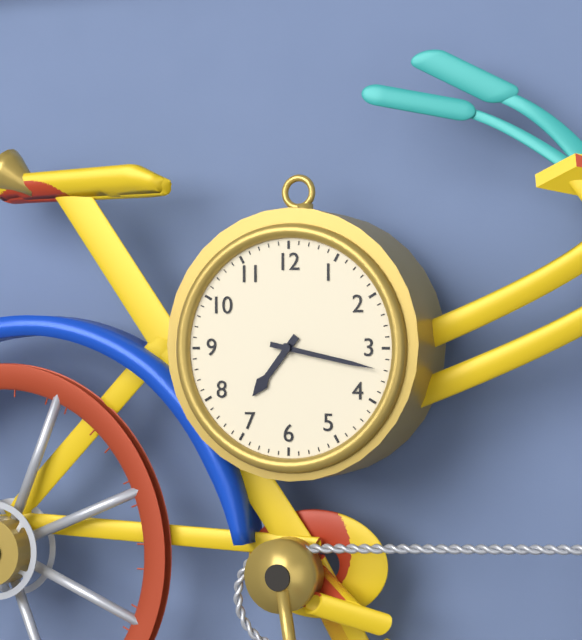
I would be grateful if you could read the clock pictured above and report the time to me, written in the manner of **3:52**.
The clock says **7:17**
